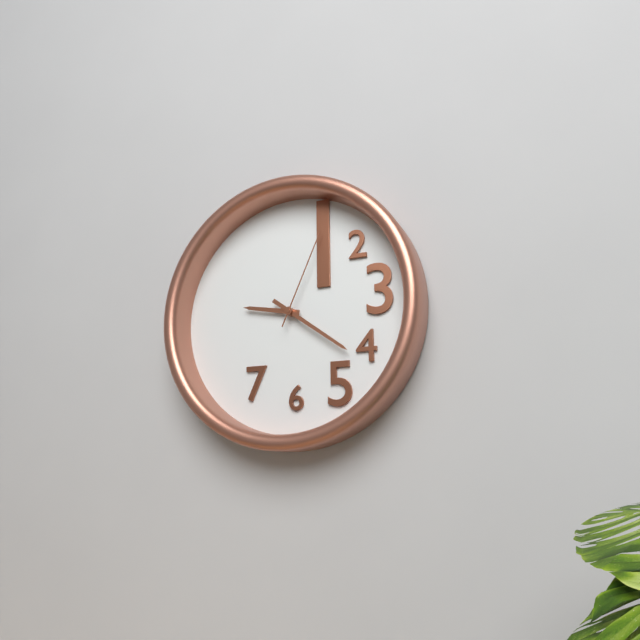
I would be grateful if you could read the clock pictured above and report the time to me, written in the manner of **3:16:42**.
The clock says **9:21:04**
